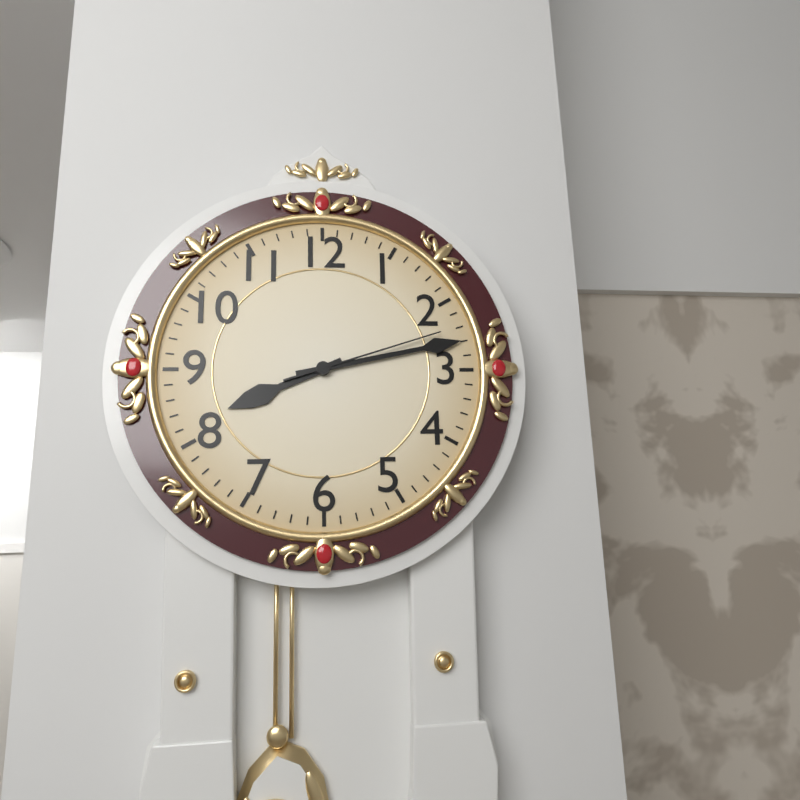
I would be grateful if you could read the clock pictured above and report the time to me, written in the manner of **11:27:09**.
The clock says **8:13:12**
